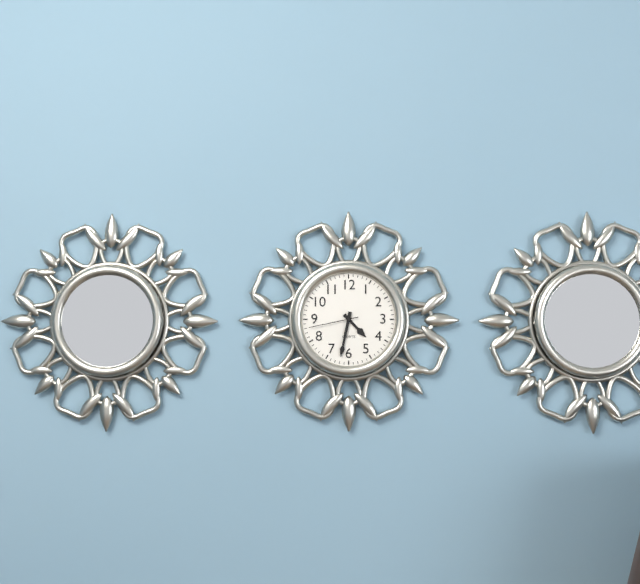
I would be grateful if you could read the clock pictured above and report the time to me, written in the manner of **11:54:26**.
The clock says **4:32:43**
